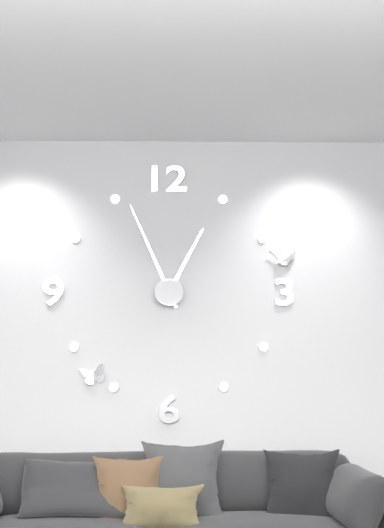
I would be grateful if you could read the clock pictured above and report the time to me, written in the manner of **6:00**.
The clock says **12:56**
